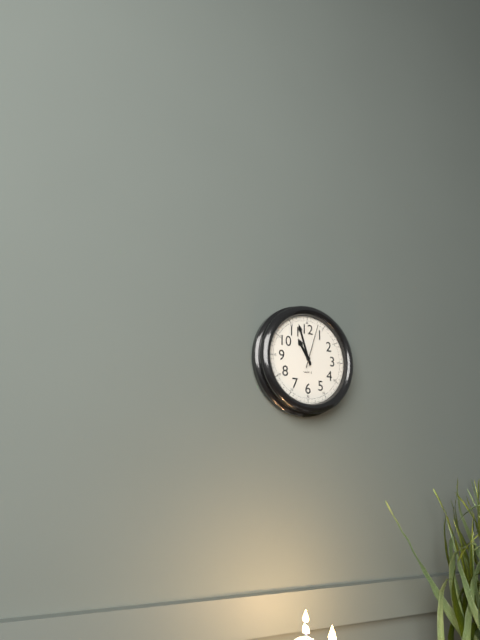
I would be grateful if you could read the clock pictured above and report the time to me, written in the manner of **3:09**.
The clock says **10:57**
